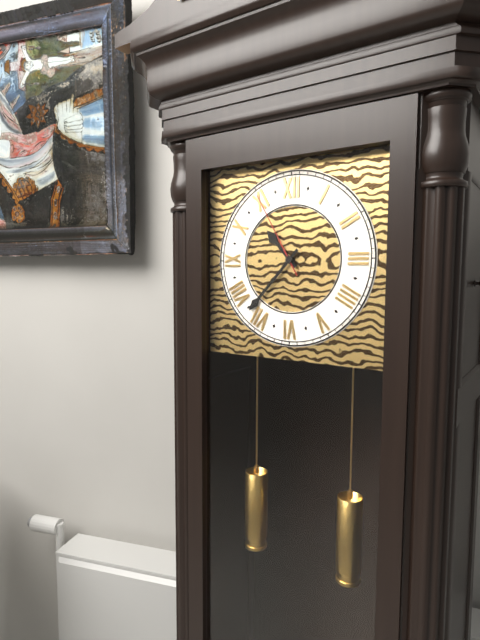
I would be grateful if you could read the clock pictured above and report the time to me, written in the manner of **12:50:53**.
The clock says **10:37:55**
